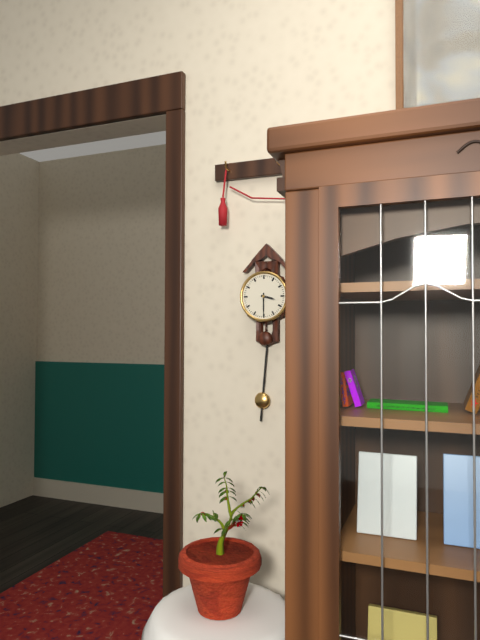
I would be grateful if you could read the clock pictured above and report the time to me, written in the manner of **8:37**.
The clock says **3:30**
